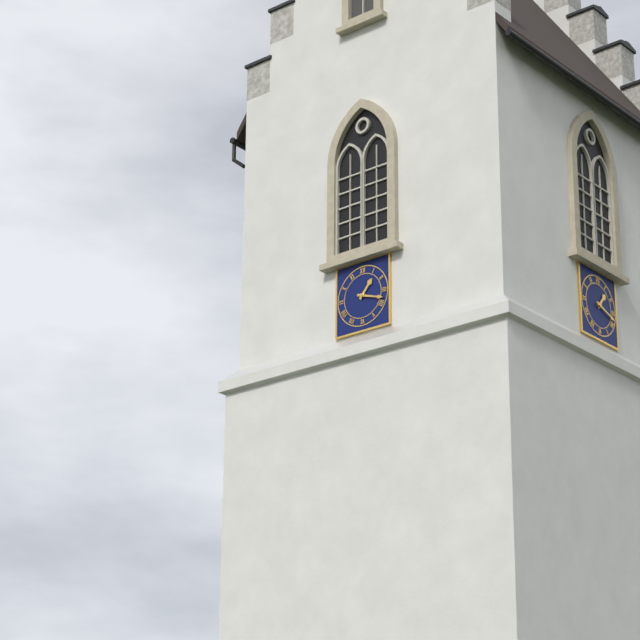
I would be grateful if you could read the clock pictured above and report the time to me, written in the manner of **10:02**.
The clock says **1:18**
